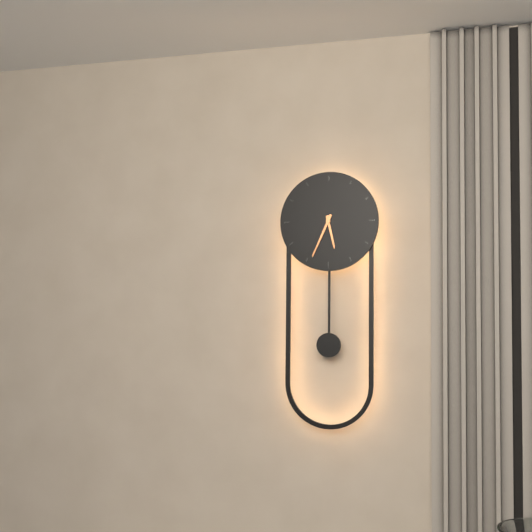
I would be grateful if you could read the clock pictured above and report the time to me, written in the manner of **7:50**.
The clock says **5:34**
